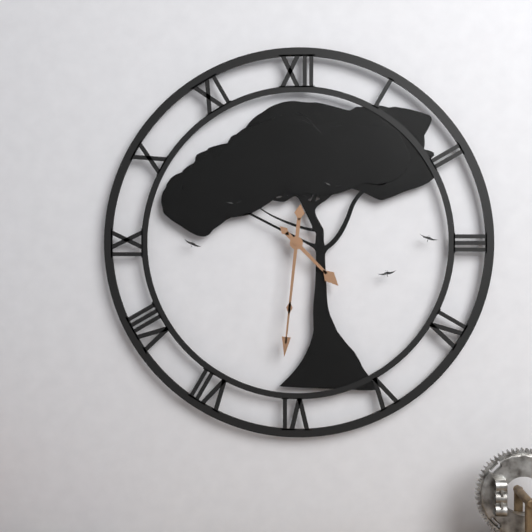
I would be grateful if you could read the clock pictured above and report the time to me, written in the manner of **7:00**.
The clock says **4:31**
